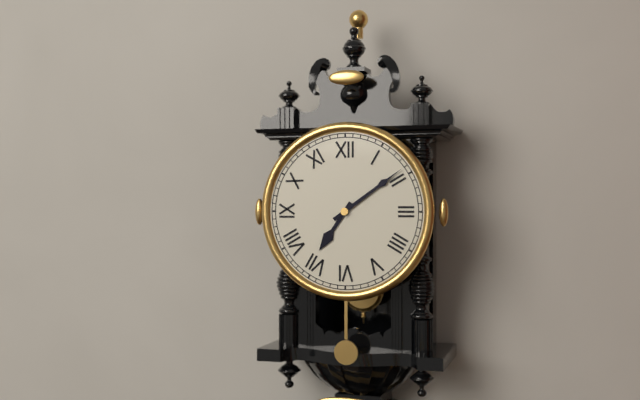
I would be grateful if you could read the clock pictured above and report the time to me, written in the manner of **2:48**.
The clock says **7:09**
